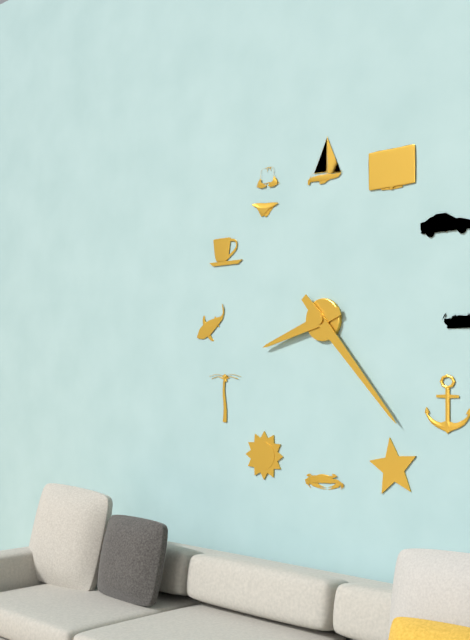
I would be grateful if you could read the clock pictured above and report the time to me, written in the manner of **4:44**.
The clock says **8:23**
